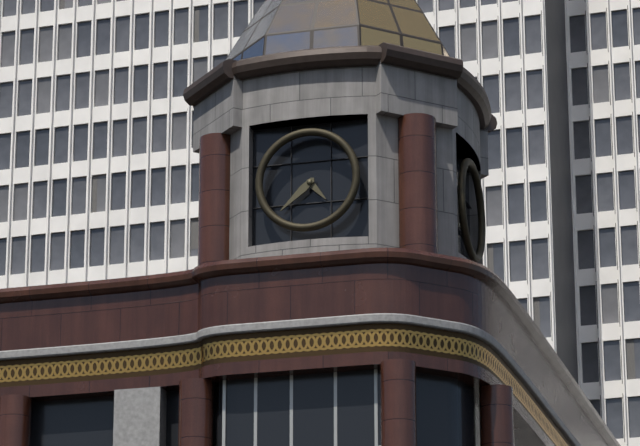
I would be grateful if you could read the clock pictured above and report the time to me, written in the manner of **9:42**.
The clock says **4:38**
